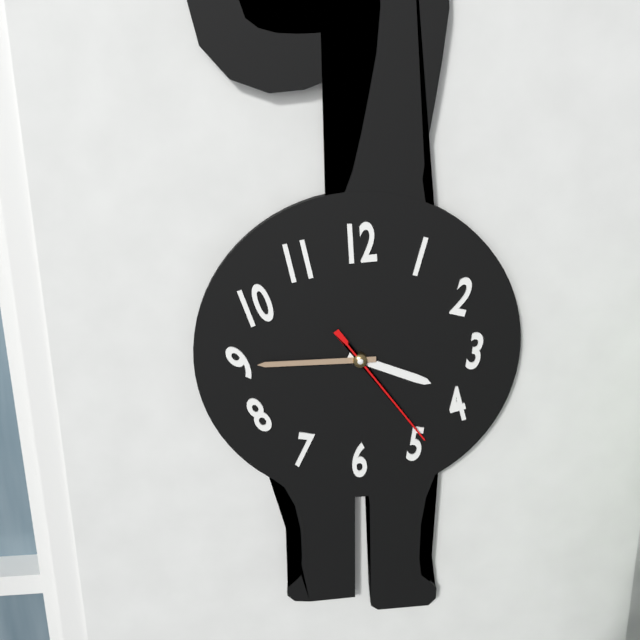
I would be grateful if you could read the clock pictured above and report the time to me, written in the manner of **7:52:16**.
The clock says **3:45:24**
